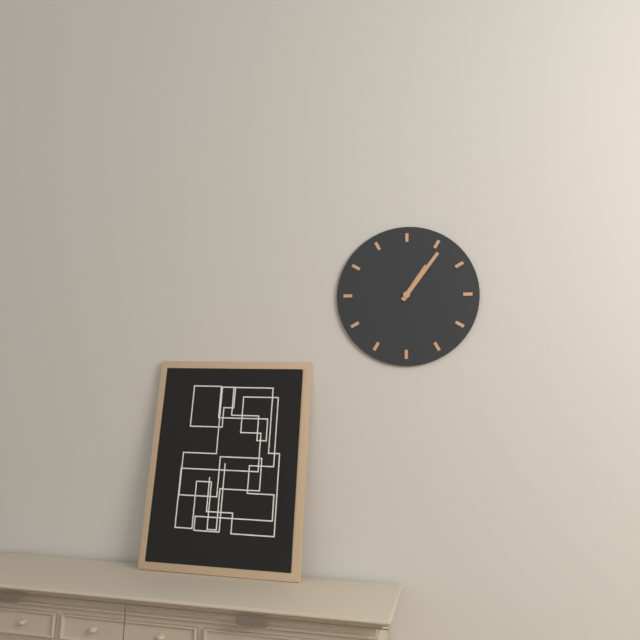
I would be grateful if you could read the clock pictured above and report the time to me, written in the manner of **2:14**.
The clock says **1:06**
